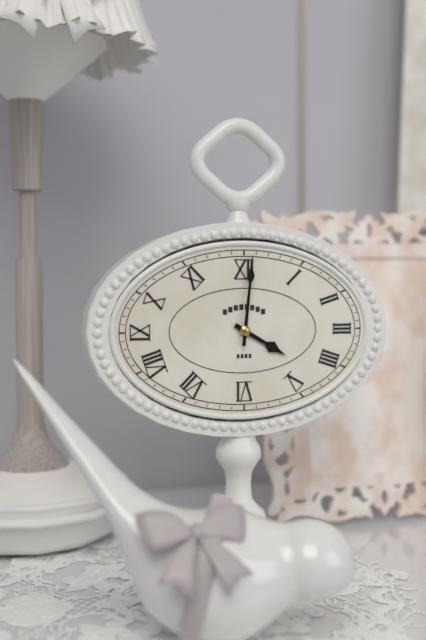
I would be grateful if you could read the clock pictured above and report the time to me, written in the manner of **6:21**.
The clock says **4:01**
